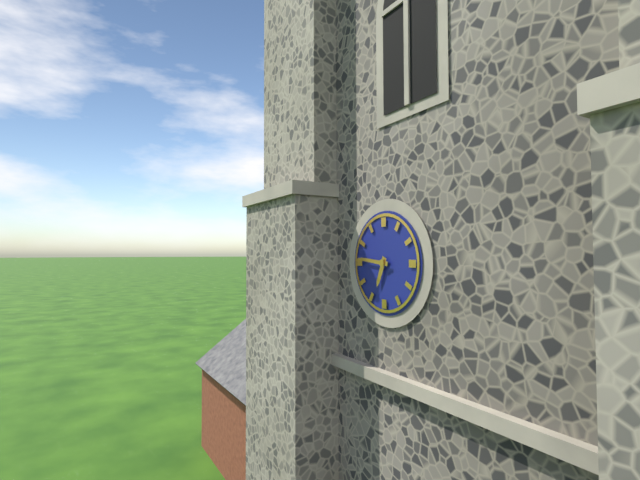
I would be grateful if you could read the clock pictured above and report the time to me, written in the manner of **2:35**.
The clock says **6:46**
